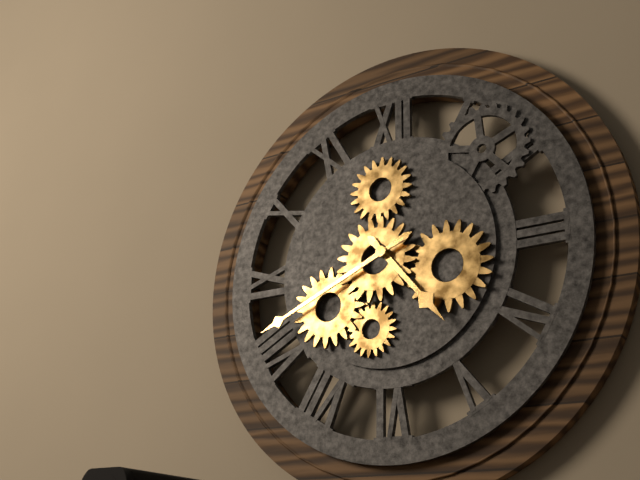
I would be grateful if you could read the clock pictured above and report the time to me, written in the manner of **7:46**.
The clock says **4:41**
